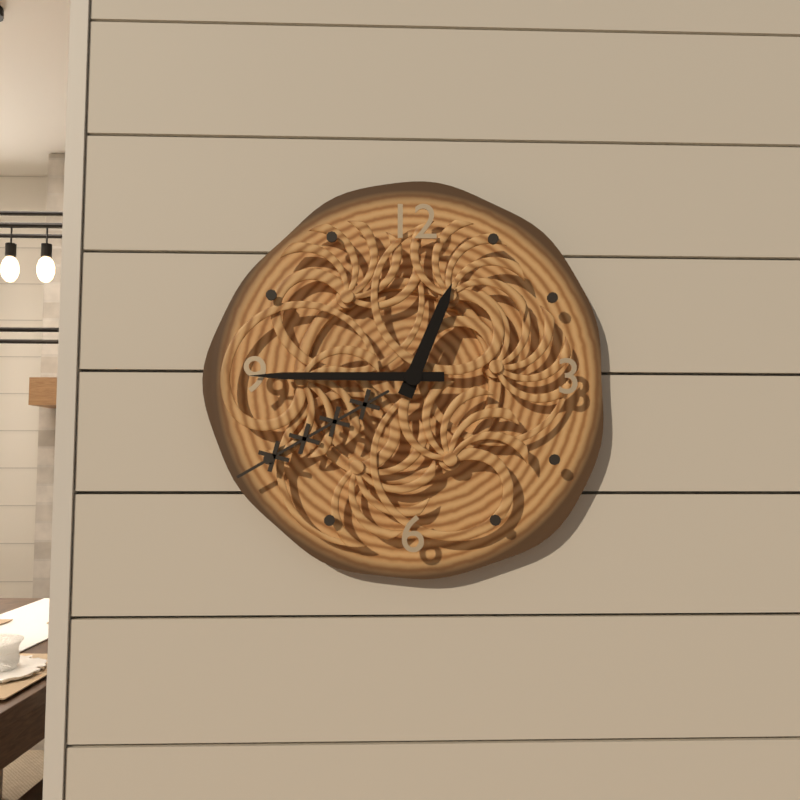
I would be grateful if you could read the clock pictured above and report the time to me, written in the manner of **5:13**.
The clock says **12:45**
